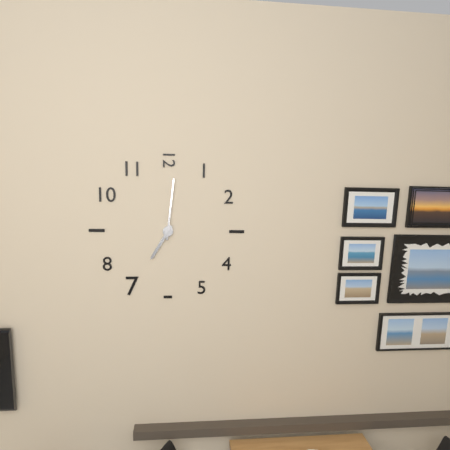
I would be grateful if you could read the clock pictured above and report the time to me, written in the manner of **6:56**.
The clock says **7:01**
